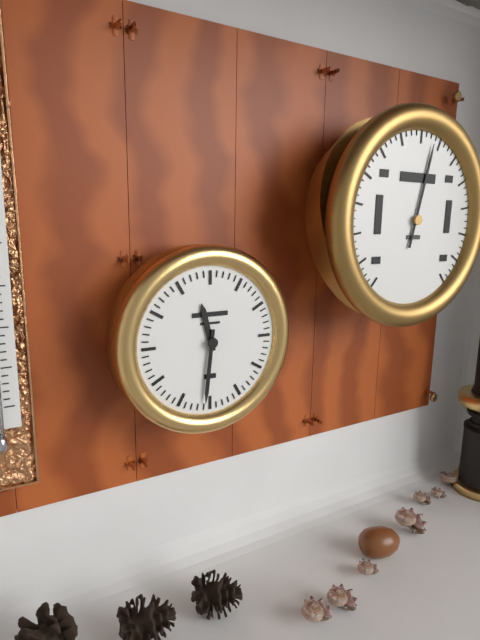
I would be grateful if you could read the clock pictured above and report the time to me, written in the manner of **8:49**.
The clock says **11:31**
